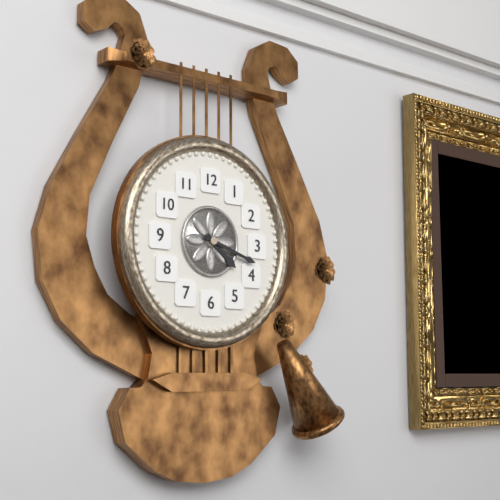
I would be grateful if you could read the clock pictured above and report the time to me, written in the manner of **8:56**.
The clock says **4:18**
